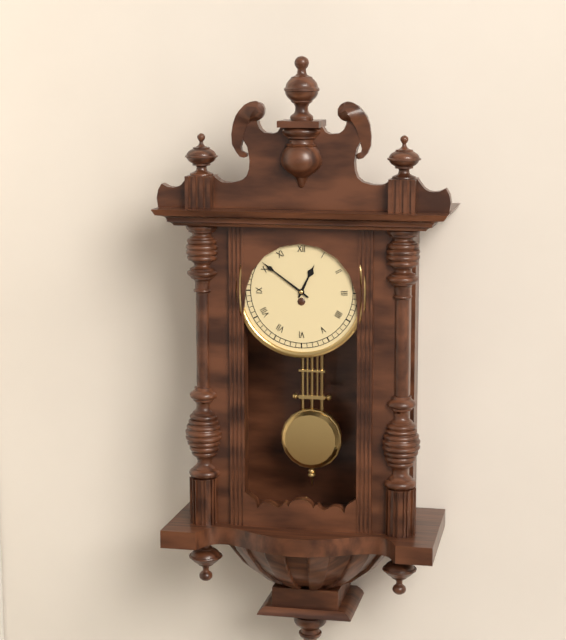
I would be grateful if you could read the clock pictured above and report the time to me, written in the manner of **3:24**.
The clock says **12:51**
